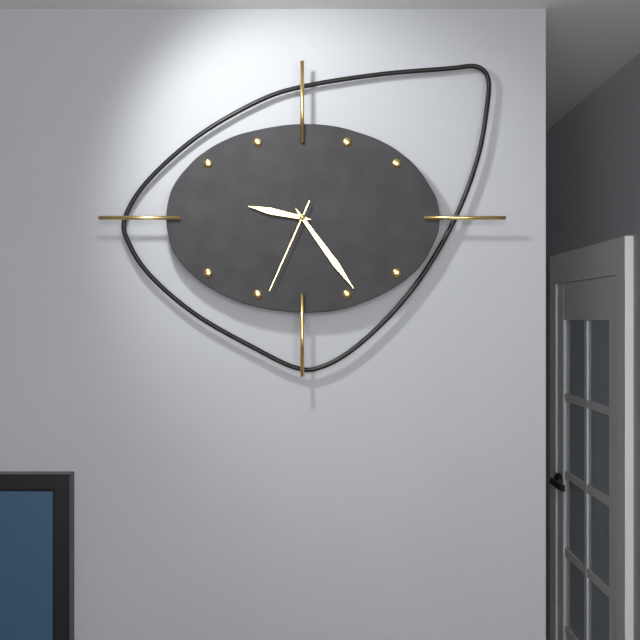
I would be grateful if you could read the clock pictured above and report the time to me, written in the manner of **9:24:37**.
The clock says **9:24:34**
